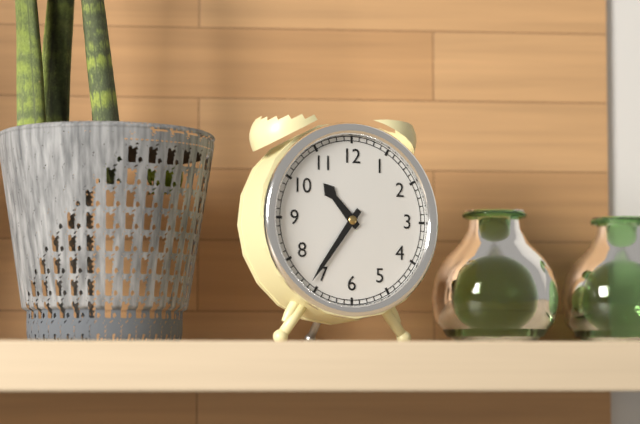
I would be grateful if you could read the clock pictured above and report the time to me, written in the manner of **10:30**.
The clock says **10:36**
